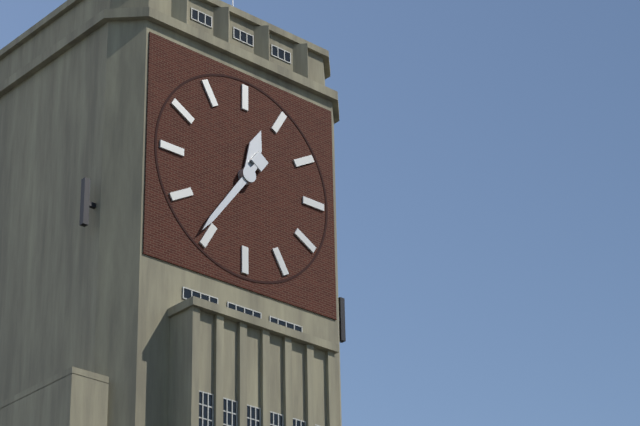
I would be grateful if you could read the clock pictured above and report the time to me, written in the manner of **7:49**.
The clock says **12:36**
